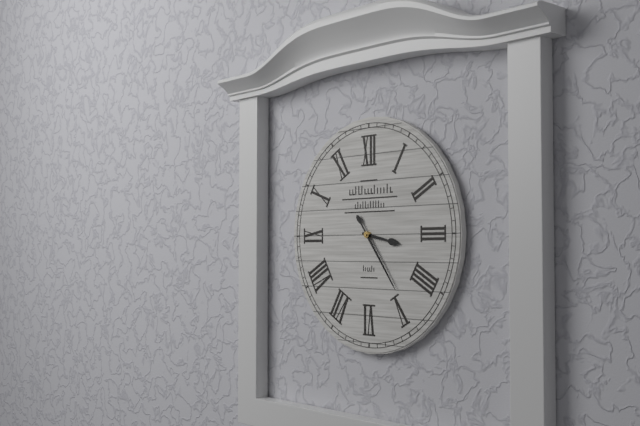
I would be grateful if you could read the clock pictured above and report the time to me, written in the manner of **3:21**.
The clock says **3:24**
